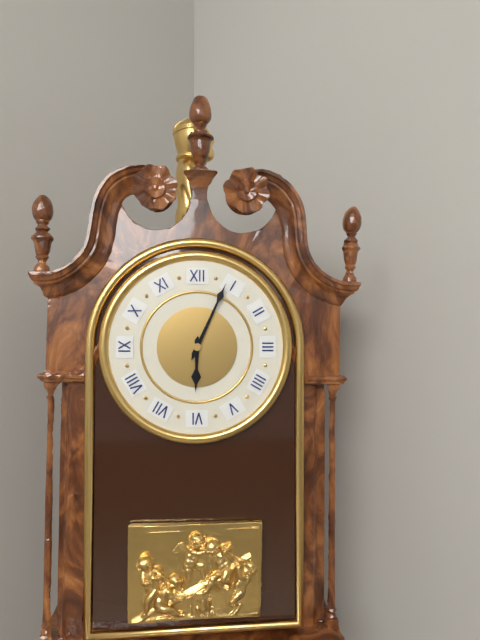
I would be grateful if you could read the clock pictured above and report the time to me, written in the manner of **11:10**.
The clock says **6:04**
